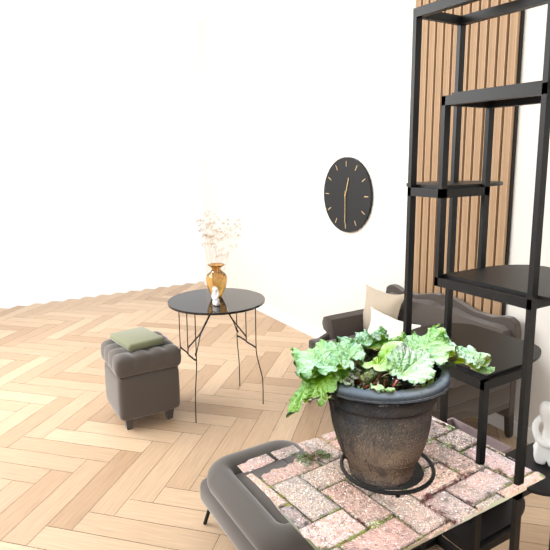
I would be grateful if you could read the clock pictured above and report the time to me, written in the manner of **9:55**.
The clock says **12:30**
